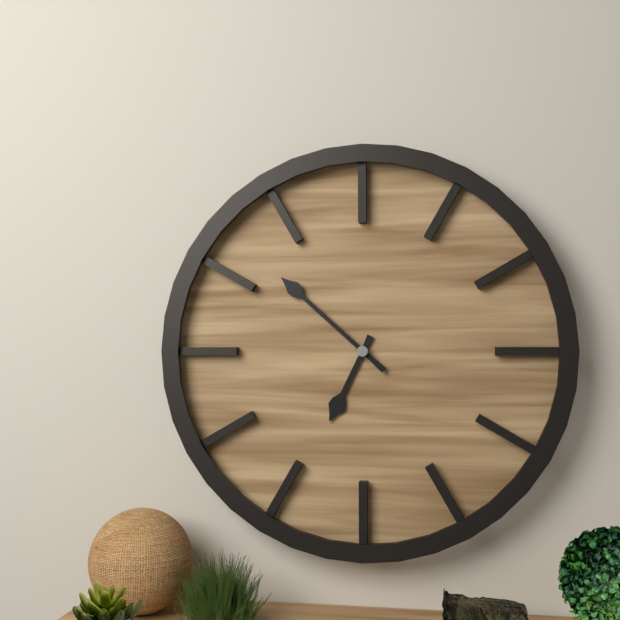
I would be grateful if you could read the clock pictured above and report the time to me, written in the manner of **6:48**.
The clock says **6:52**
